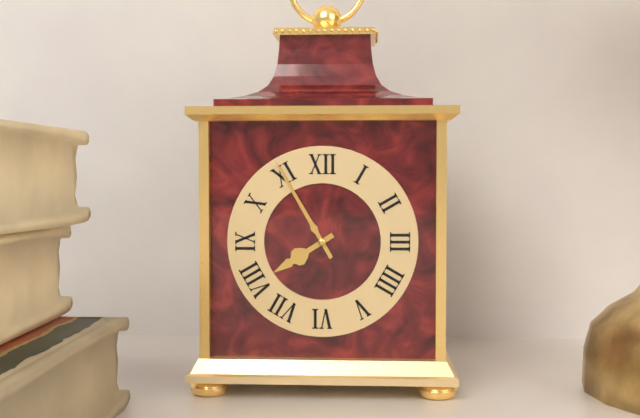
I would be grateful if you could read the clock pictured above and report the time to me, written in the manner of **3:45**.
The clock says **7:55**
